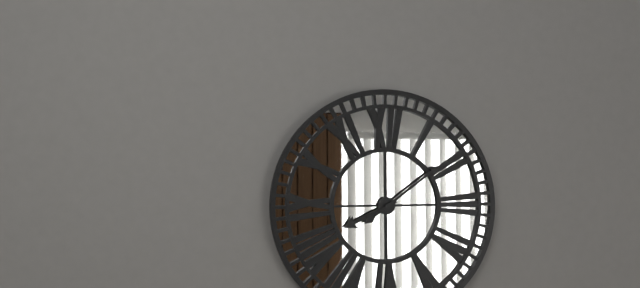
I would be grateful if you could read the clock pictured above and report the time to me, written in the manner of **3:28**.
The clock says **8:09**
